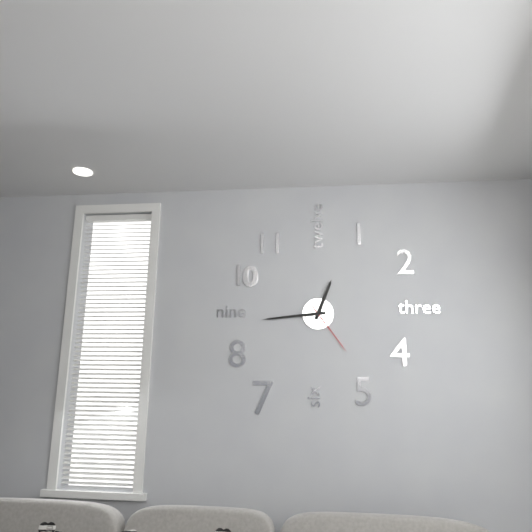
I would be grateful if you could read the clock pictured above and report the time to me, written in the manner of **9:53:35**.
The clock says **12:44:24**
